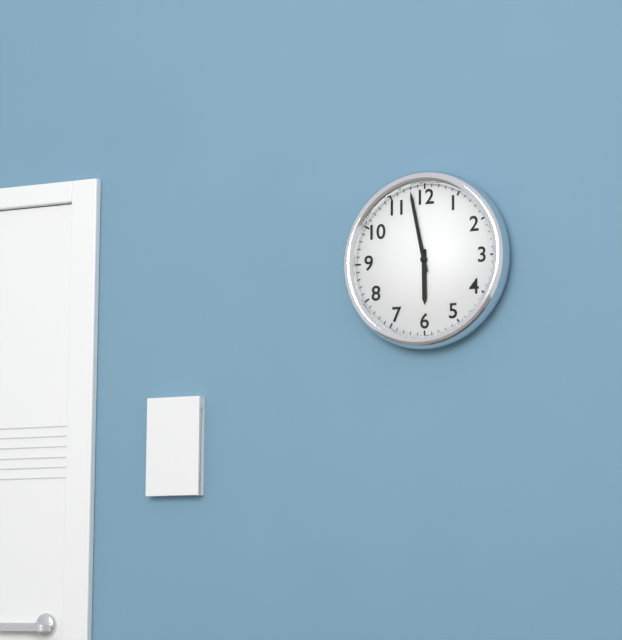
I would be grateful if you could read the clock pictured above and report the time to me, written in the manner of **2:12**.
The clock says **5:58**
